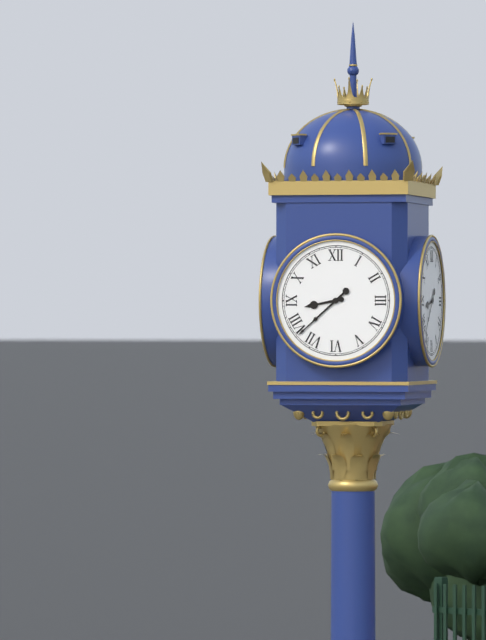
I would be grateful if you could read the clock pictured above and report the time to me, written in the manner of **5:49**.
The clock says **8:38**
